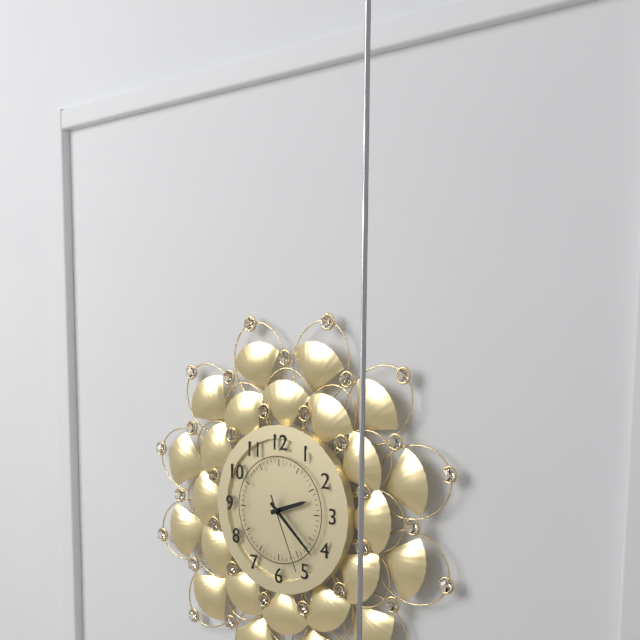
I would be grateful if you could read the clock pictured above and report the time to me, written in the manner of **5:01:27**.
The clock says **2:22:26**
